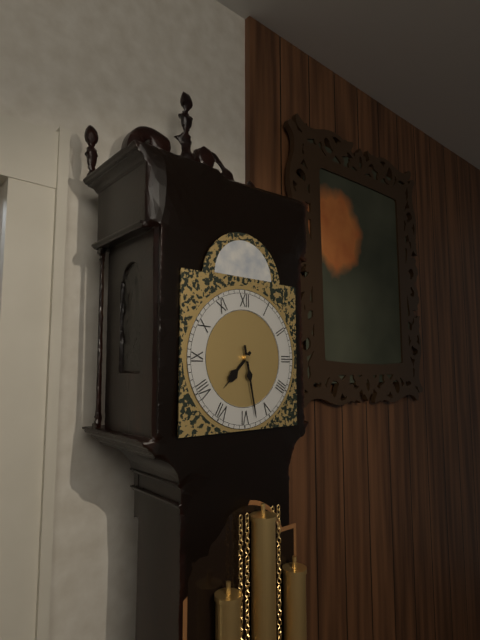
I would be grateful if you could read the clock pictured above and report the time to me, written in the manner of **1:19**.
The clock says **7:28**
